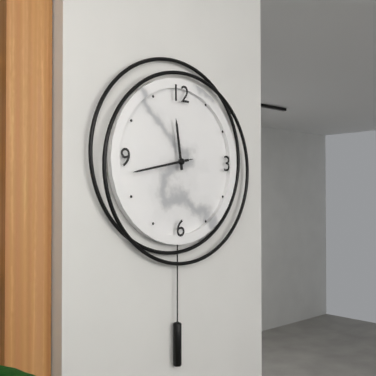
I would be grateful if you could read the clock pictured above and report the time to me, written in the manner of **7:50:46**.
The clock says **11:43:43**
